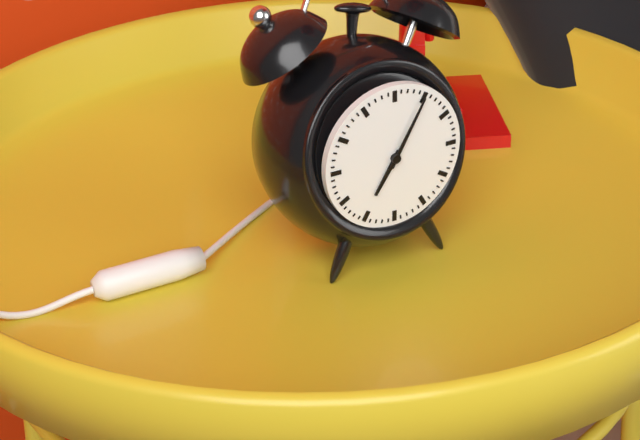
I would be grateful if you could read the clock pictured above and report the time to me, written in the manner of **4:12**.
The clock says **7:05**
